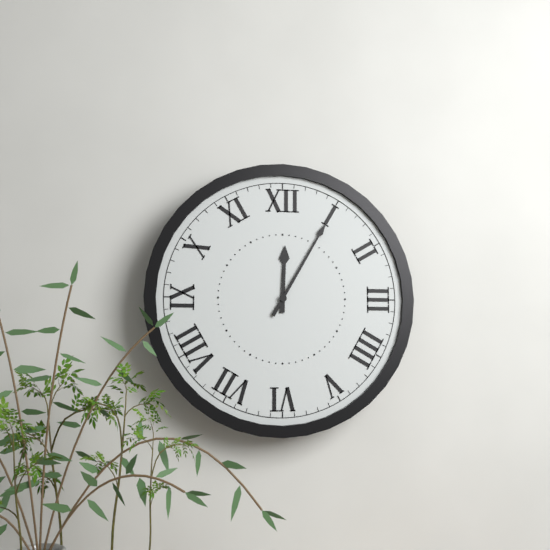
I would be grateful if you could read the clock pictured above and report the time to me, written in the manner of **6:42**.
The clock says **12:05**
